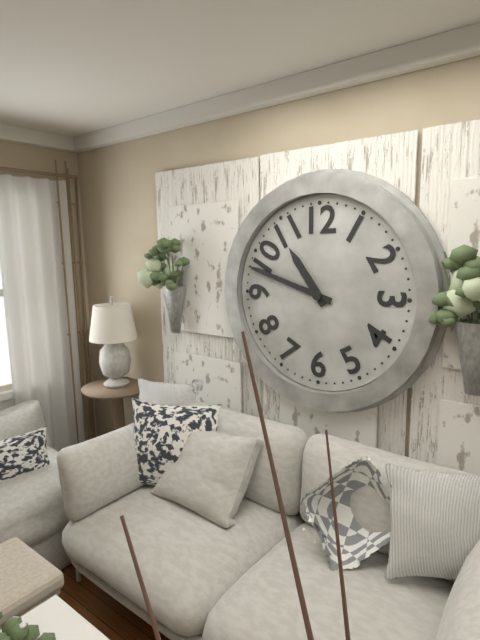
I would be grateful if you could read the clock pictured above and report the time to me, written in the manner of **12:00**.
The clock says **10:48**
